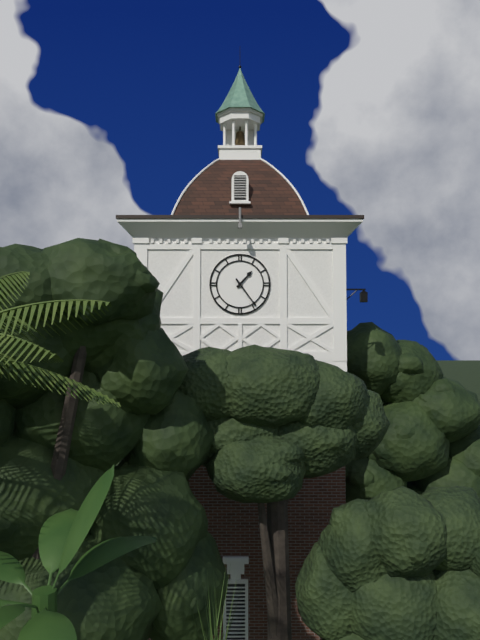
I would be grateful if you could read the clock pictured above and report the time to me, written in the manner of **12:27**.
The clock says **1:24**
